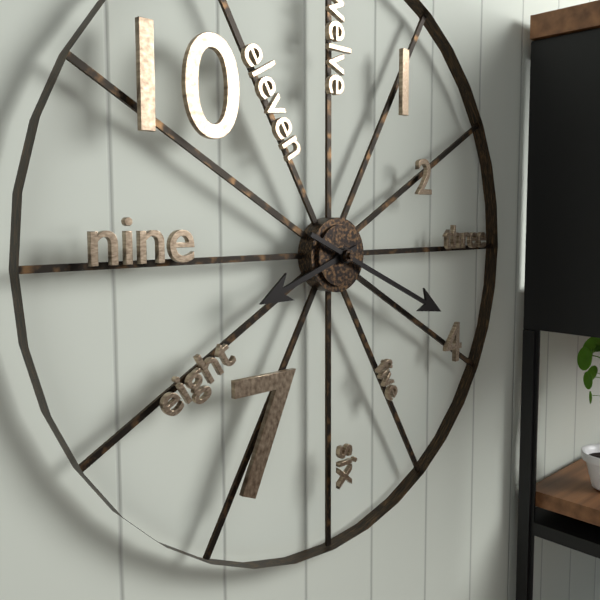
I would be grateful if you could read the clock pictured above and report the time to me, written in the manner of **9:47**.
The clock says **8:19**
